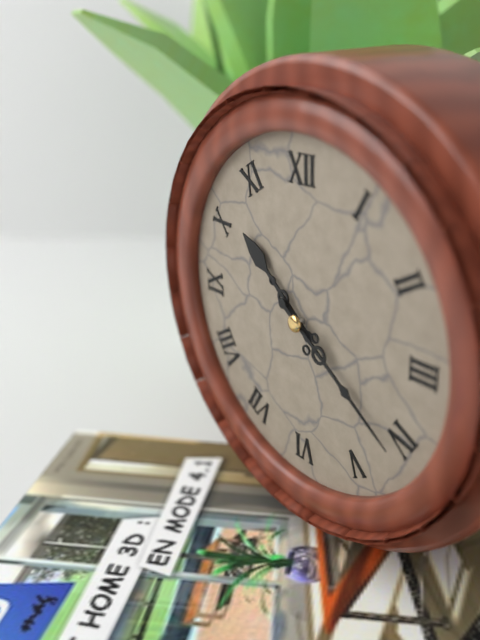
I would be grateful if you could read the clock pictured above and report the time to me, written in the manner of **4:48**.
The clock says **10:21**
